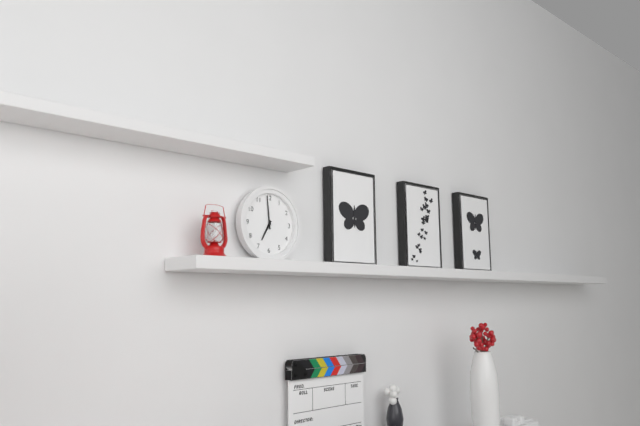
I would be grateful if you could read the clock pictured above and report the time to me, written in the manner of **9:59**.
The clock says **6:59**
